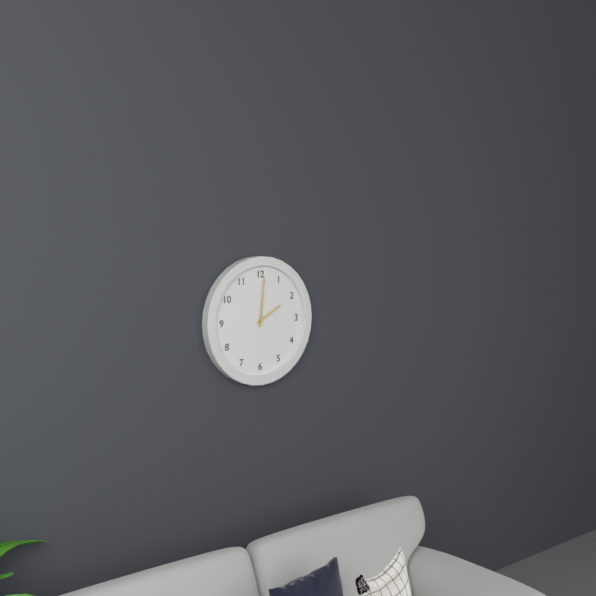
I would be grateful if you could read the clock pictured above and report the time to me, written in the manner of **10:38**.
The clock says **2:01**
